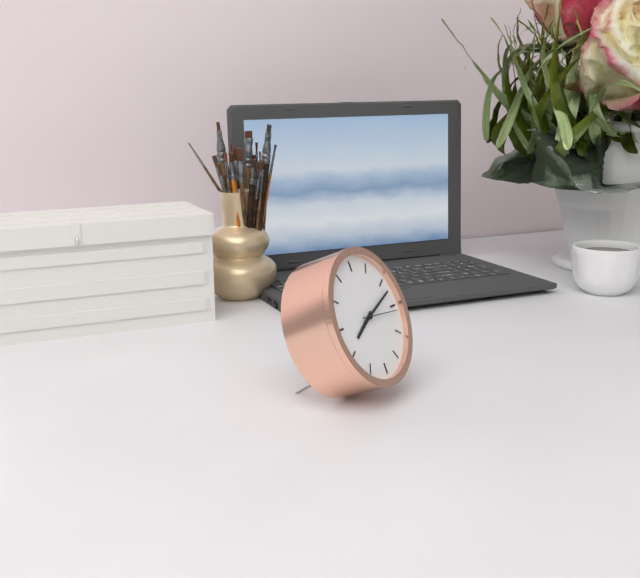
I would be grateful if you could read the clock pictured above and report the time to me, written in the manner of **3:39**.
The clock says **8:12**
